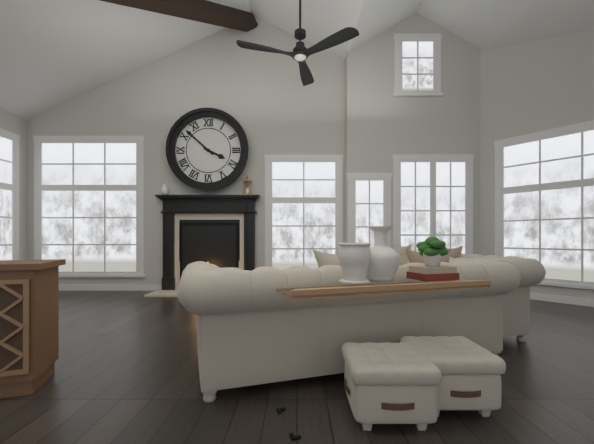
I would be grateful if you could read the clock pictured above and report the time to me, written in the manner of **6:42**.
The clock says **3:52**
